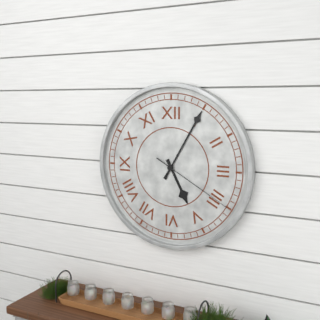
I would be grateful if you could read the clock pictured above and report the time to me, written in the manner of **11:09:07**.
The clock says **5:05:20**
